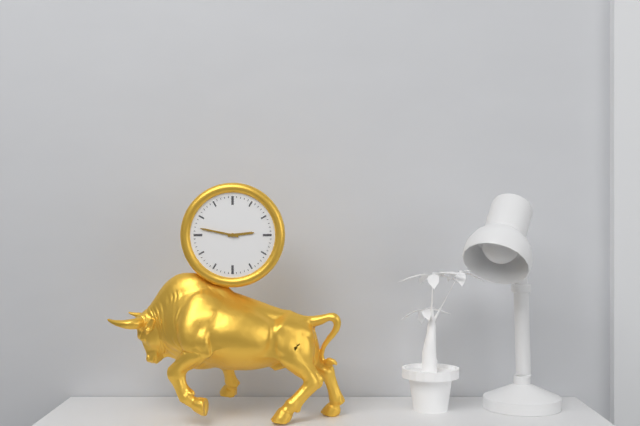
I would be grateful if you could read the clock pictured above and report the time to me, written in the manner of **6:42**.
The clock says **2:47**
